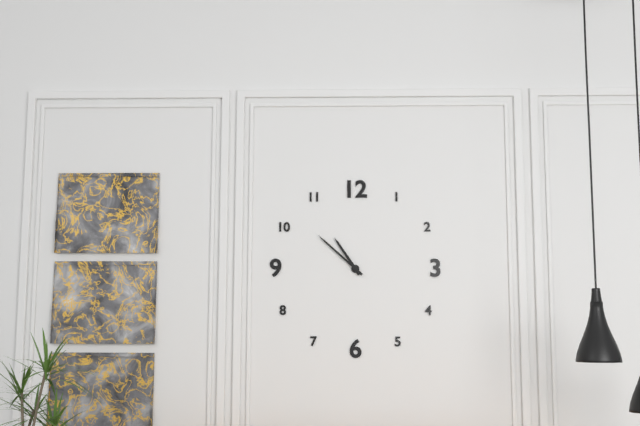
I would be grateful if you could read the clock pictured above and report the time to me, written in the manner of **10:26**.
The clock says **10:52**
